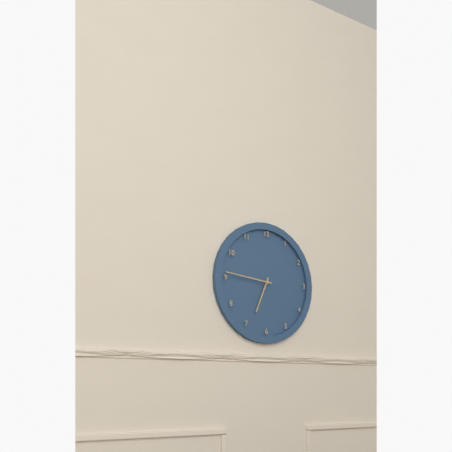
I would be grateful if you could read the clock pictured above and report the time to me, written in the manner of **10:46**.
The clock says **6:46**
